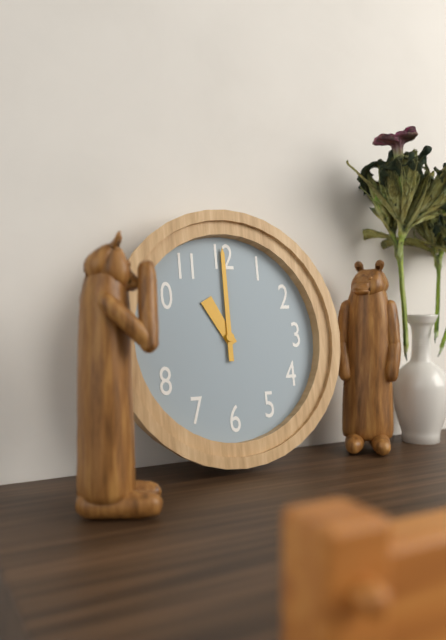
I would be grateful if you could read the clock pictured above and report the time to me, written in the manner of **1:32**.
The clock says **11:00**
